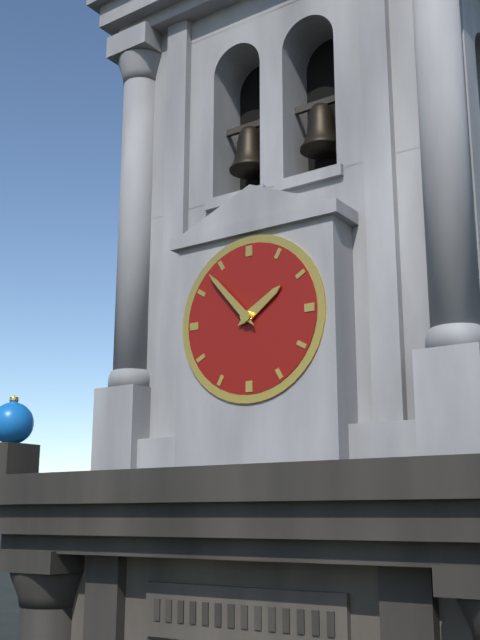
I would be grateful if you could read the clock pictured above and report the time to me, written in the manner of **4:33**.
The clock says **1:53**
